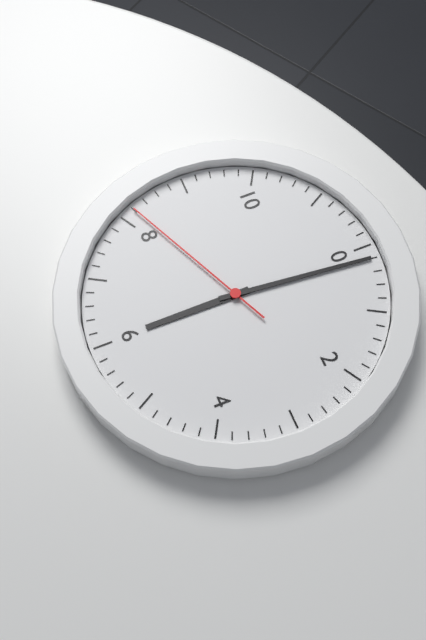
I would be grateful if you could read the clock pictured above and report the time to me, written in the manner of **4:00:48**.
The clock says **6:01:41**
